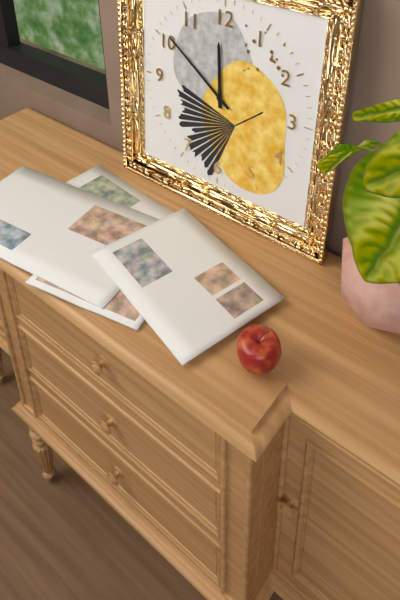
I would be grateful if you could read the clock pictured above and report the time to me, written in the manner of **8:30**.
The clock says **11:51**
